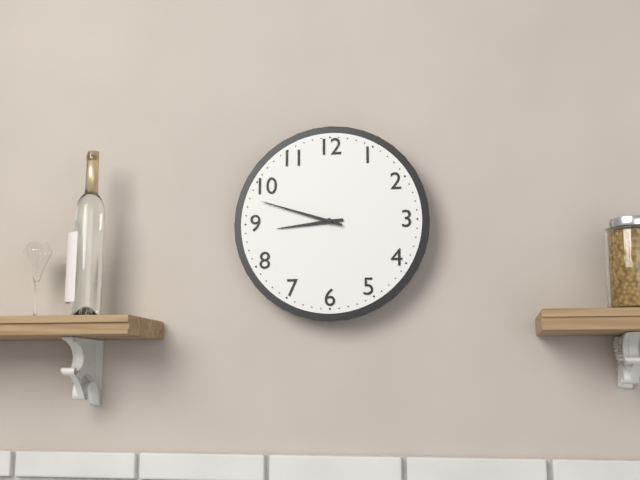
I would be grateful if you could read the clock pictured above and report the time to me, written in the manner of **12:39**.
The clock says **8:48**
